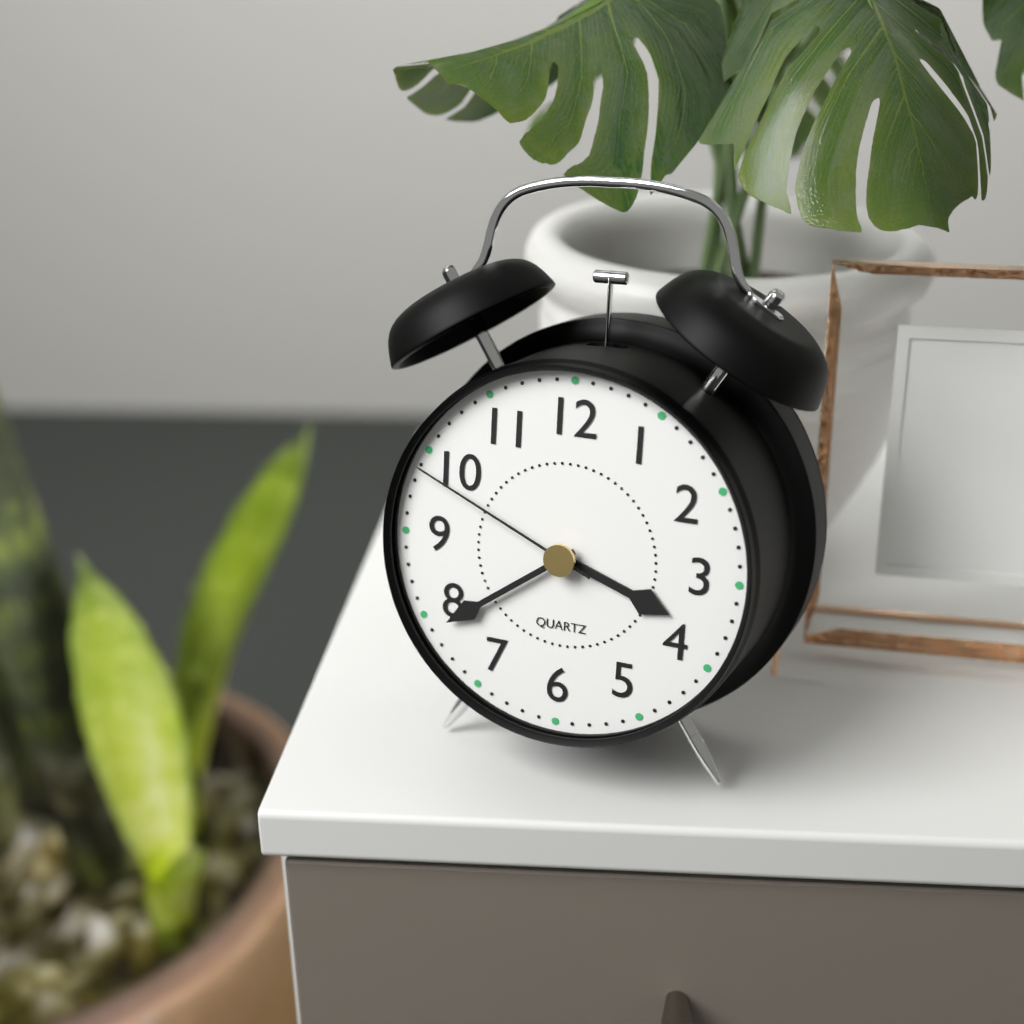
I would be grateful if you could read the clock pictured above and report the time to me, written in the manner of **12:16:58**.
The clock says **3:39:49**
